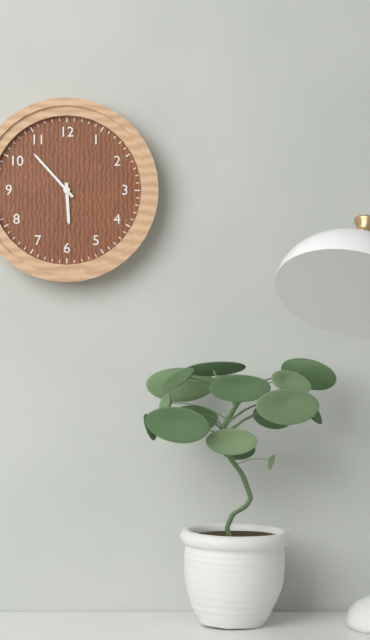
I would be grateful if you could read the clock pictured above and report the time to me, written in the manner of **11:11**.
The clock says **5:53**
